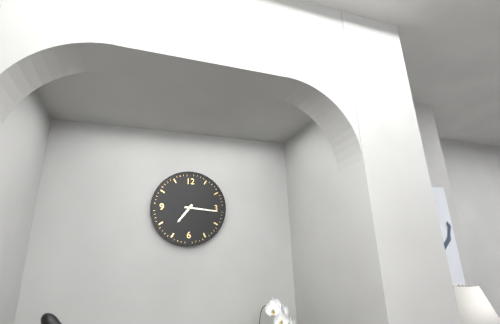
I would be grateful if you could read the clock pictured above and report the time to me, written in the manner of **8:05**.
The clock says **7:16**
